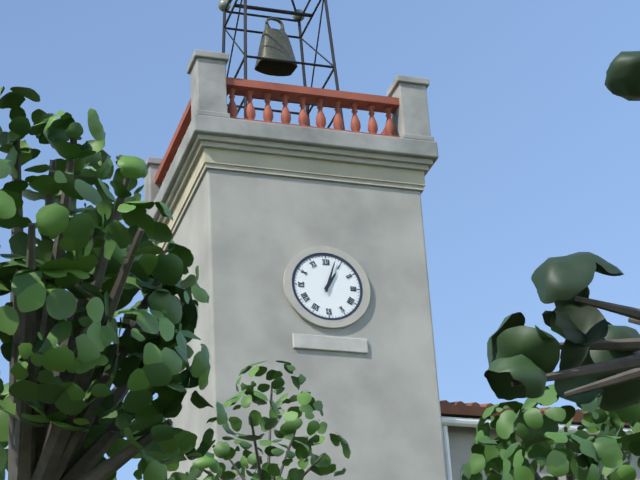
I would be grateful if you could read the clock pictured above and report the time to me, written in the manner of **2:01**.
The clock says **1:03**
